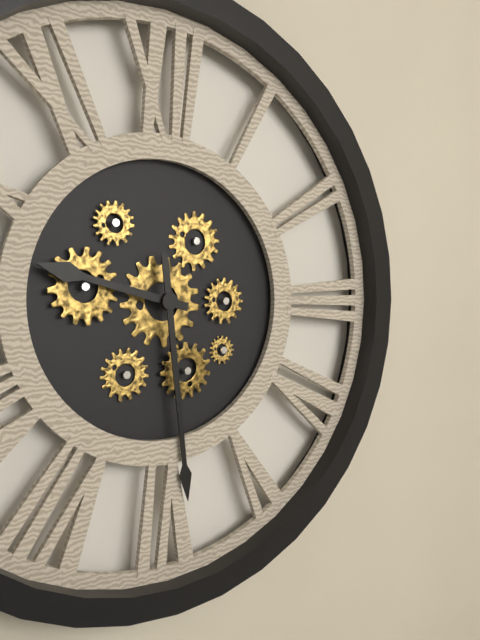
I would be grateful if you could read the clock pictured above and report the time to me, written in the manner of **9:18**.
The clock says **9:29**
